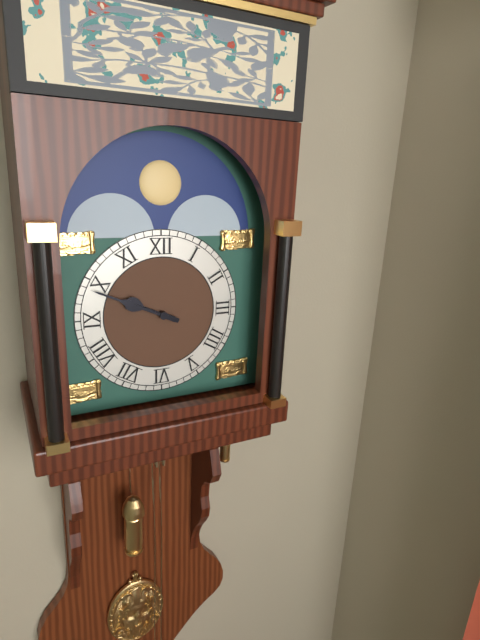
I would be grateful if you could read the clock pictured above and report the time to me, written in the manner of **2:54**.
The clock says **9:49**
